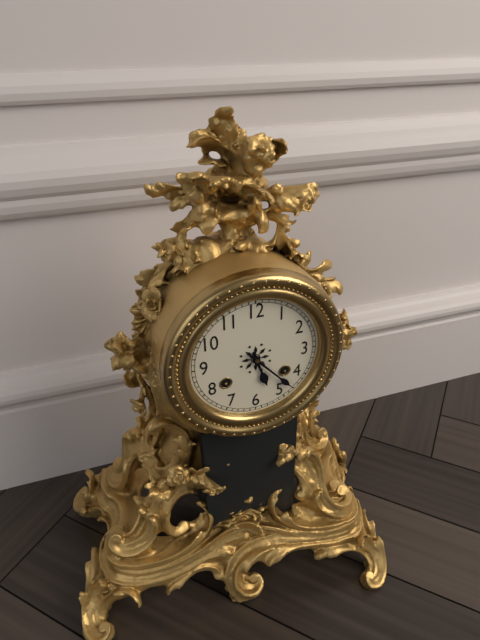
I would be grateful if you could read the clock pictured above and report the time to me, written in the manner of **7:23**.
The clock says **5:23**
